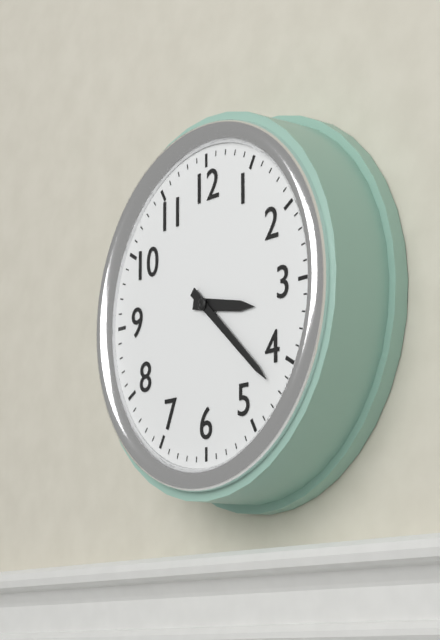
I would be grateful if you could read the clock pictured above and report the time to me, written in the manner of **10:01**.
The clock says **3:22**
